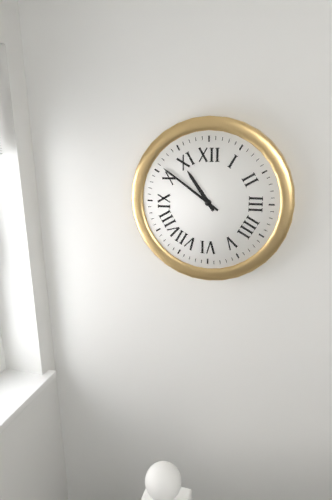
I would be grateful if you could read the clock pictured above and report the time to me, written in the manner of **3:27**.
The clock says **10:51**
